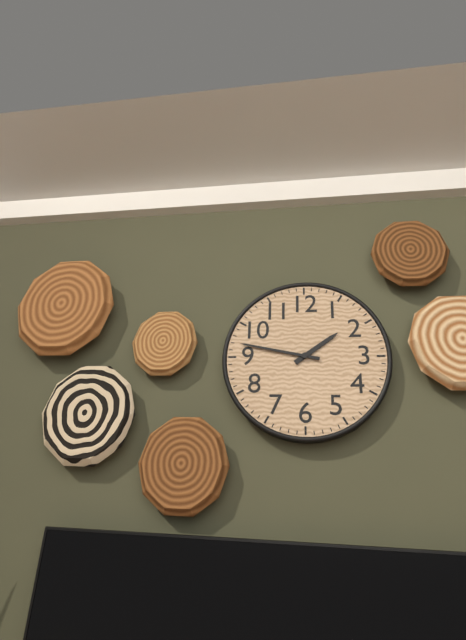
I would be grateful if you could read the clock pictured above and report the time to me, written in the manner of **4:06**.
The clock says **1:47**
